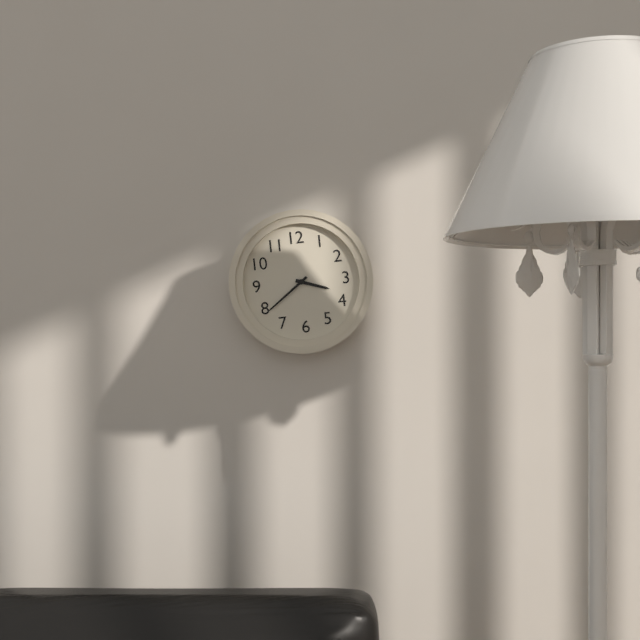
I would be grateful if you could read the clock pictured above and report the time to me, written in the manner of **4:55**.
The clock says **3:39**
